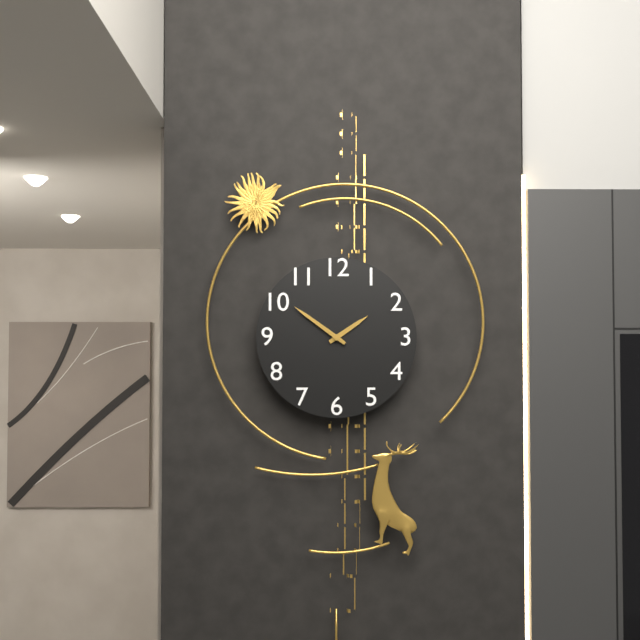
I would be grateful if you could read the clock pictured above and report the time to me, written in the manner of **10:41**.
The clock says **1:51**
